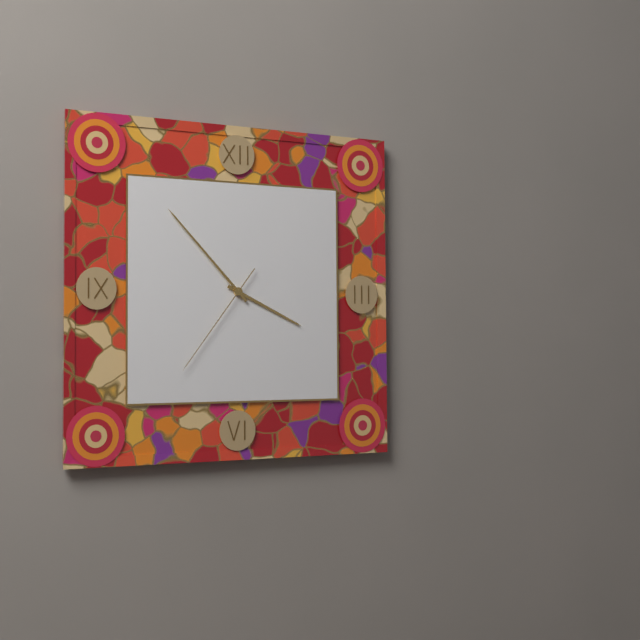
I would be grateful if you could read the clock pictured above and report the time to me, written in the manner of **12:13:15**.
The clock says **3:53:36**
